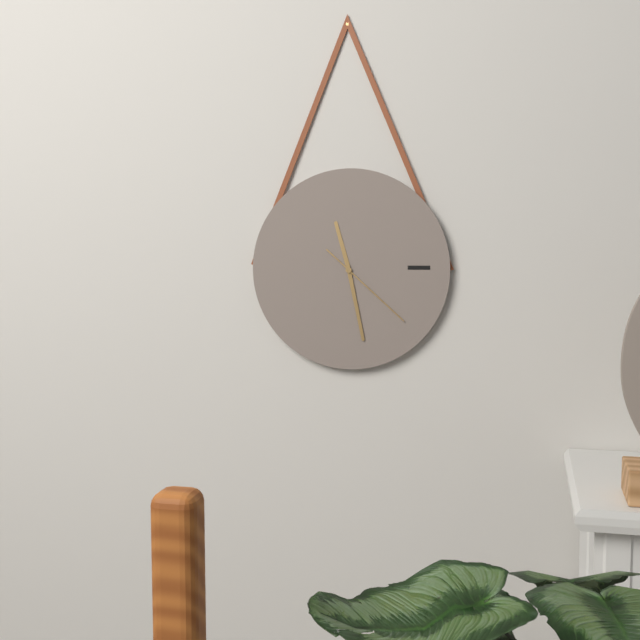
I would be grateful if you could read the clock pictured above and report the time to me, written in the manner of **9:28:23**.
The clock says **11:28:22**
